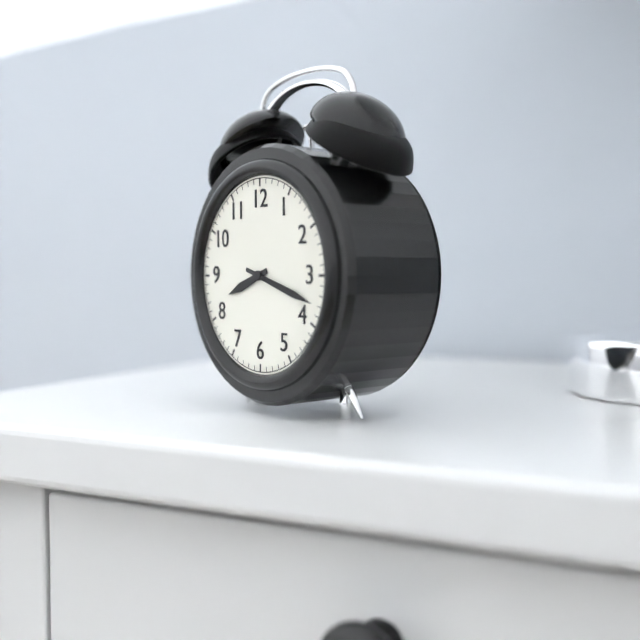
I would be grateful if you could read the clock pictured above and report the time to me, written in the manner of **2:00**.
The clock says **8:18**
